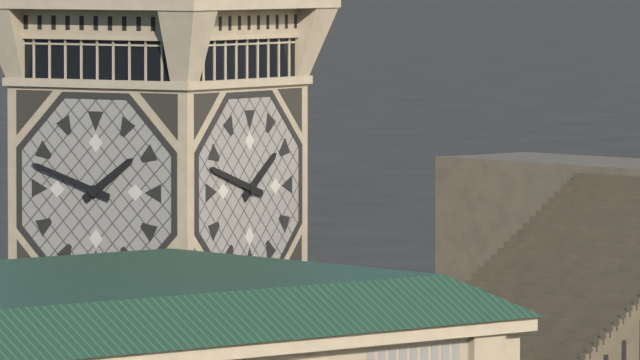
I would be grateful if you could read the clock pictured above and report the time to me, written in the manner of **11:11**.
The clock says **1:48**
